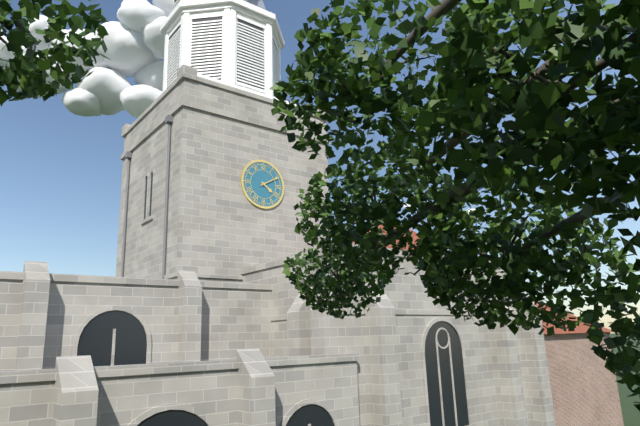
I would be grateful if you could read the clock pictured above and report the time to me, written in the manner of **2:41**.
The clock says **4:10**
